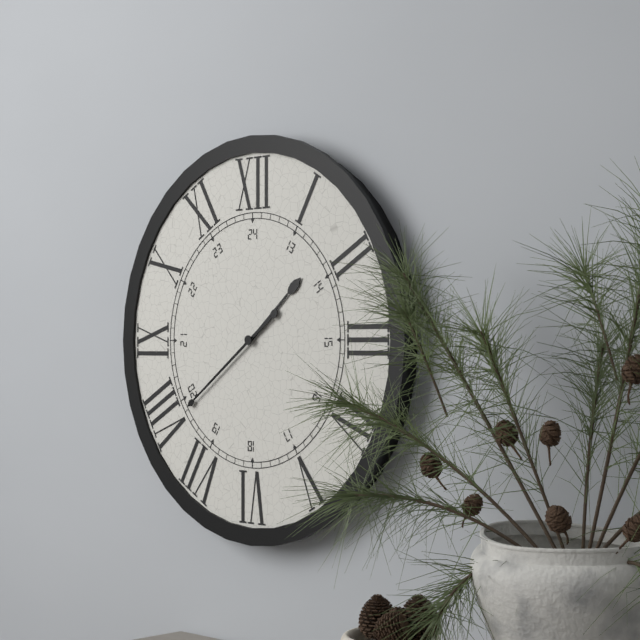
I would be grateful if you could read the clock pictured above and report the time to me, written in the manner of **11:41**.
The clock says **1:39**
